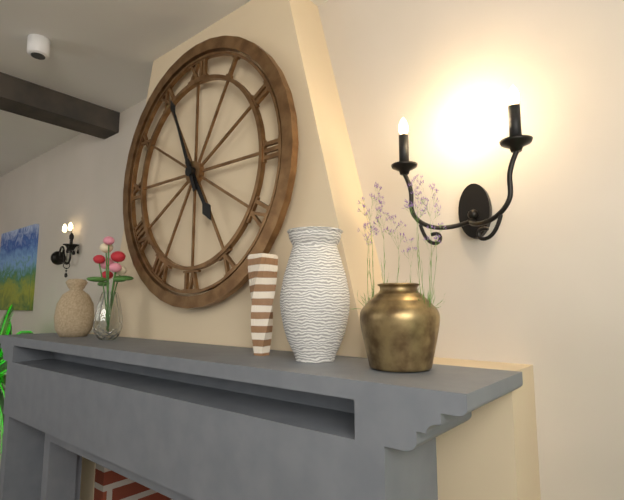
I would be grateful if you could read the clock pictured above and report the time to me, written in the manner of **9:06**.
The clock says **4:56**
